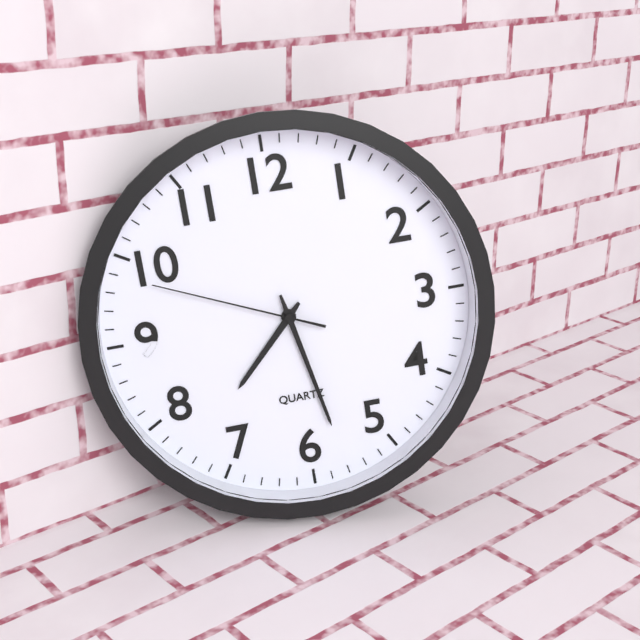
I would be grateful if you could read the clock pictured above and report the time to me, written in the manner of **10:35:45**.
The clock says **7:28:49**
